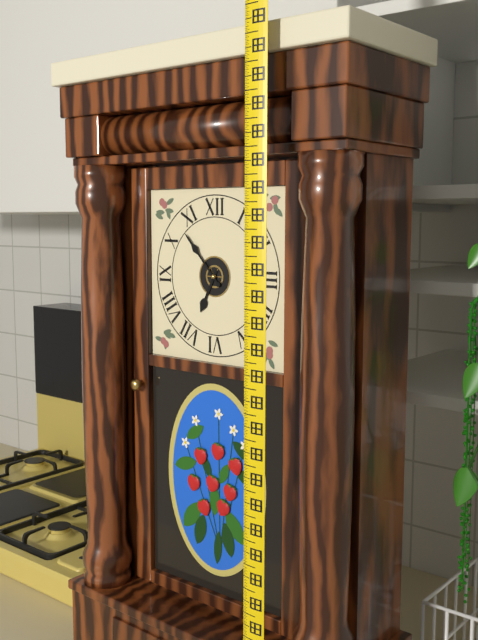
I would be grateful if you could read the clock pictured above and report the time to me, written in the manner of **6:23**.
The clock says **6:53**
